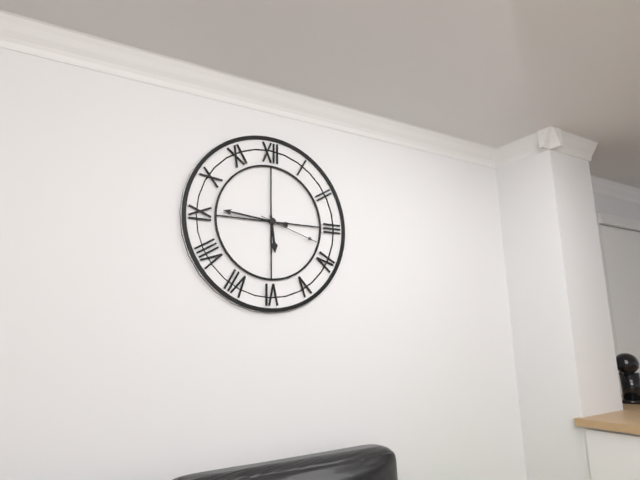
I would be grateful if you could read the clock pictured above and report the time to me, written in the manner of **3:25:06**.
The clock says **5:46:18**
